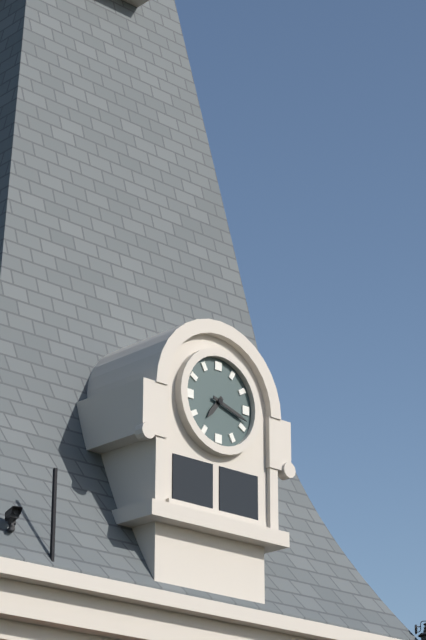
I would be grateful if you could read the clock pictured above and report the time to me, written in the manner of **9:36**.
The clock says **7:18**
